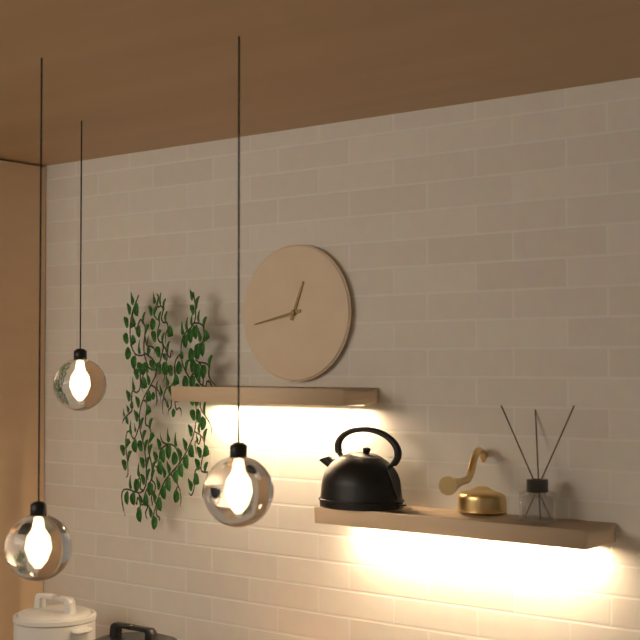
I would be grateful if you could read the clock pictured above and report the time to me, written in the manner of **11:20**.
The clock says **12:43**
